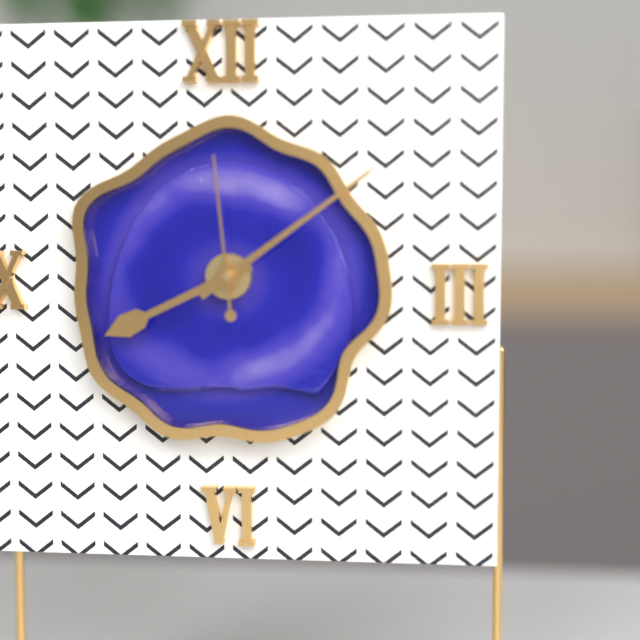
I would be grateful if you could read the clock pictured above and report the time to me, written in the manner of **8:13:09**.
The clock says **8:09:59**
